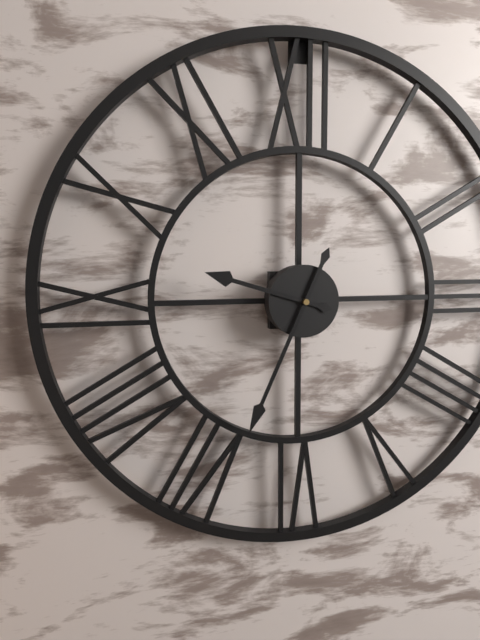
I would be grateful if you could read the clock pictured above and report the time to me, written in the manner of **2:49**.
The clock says **9:34**
